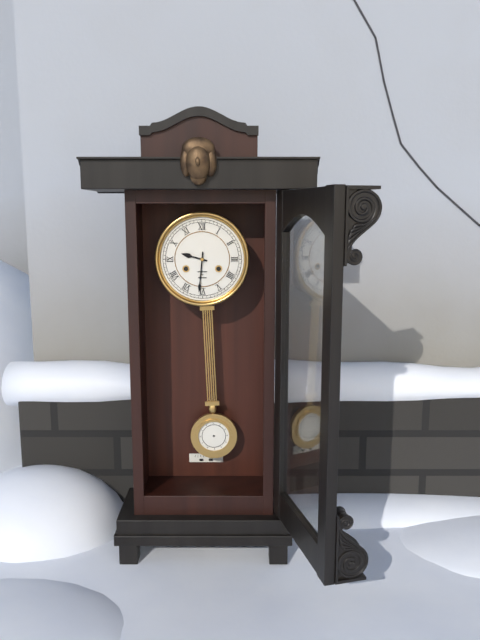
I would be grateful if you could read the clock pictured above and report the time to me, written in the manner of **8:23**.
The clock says **9:31**
